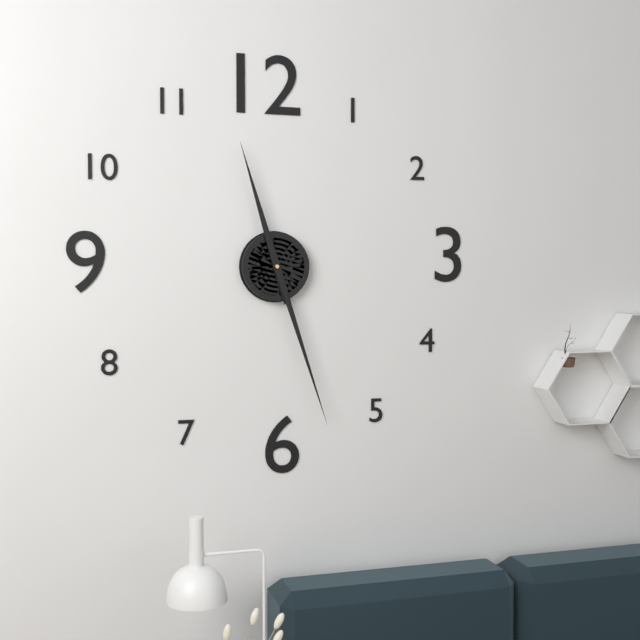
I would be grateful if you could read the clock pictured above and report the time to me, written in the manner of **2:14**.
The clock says **11:27**
